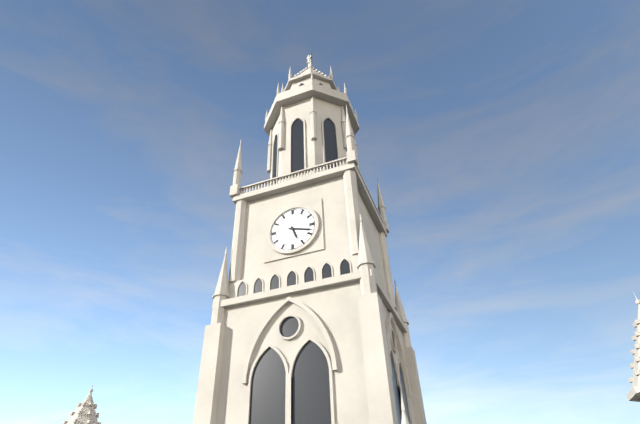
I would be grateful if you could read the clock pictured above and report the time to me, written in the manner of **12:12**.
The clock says **5:18**
